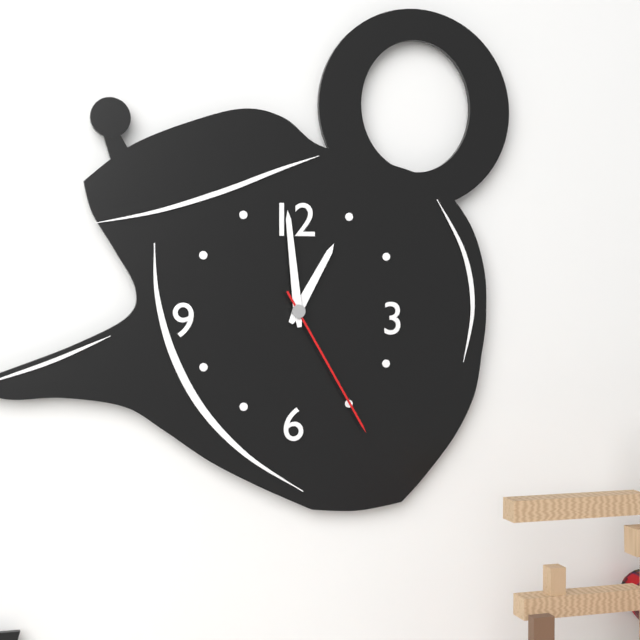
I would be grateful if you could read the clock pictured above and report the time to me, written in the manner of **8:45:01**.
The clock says **12:59:25**
